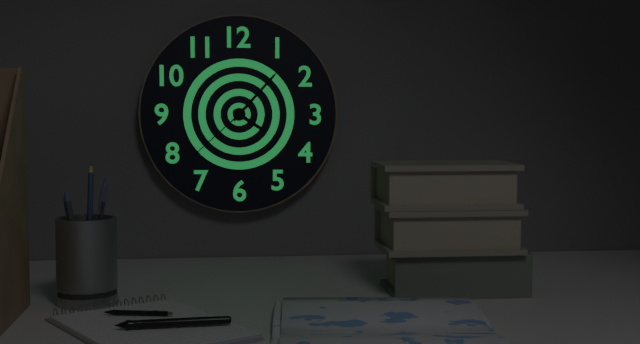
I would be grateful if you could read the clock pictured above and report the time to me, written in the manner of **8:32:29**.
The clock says **4:07:38**
